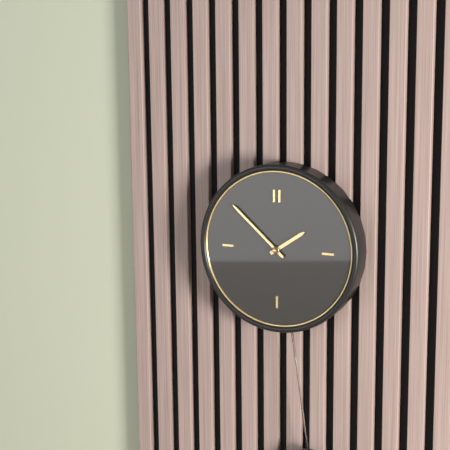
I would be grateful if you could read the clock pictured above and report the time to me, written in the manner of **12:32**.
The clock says **1:52**
